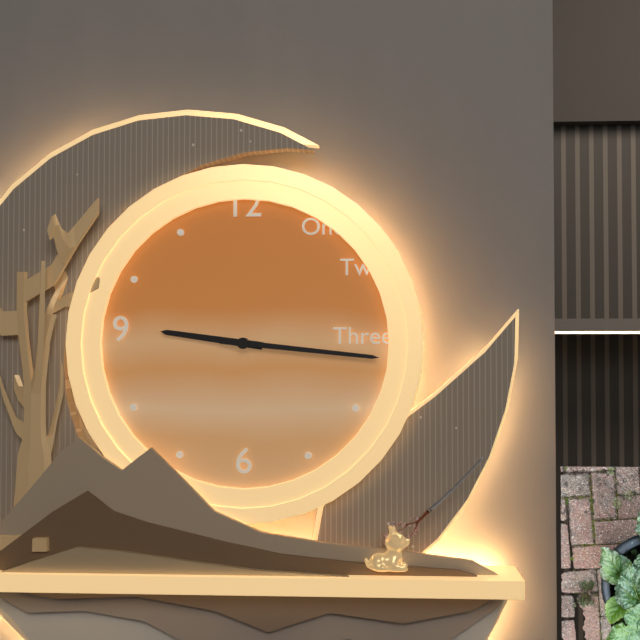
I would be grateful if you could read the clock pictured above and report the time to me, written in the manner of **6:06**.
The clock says **9:16**
